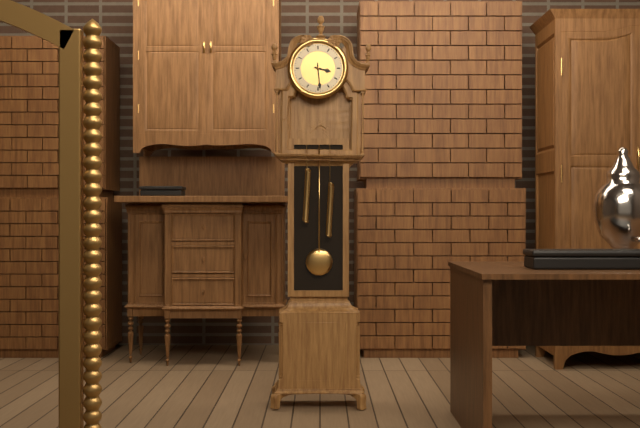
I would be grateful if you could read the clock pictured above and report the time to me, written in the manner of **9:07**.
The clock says **3:29**
